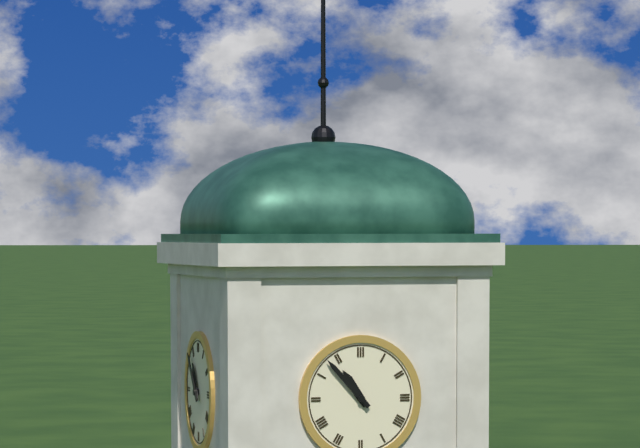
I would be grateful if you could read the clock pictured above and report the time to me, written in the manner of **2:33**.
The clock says **10:53**
